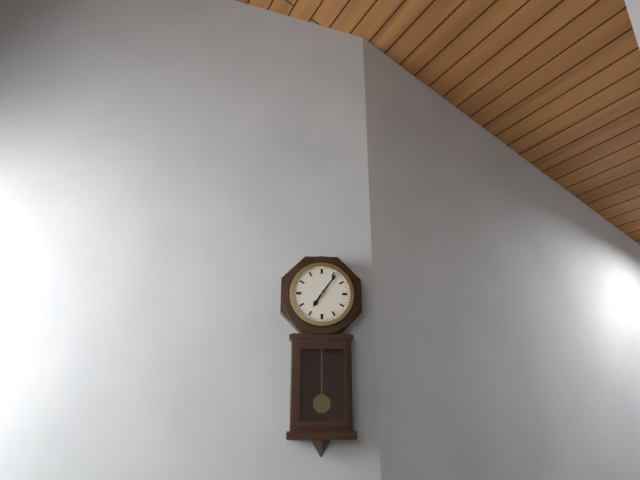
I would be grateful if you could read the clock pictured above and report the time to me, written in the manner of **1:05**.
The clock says **7:06**
